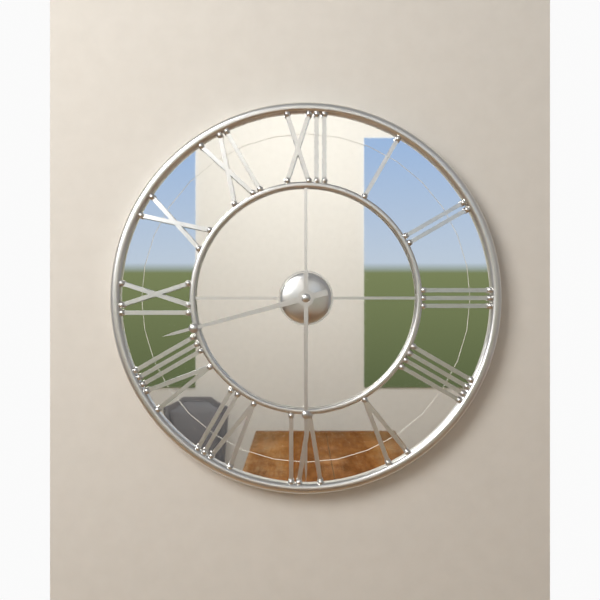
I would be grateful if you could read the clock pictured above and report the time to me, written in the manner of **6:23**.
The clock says **8:30**
